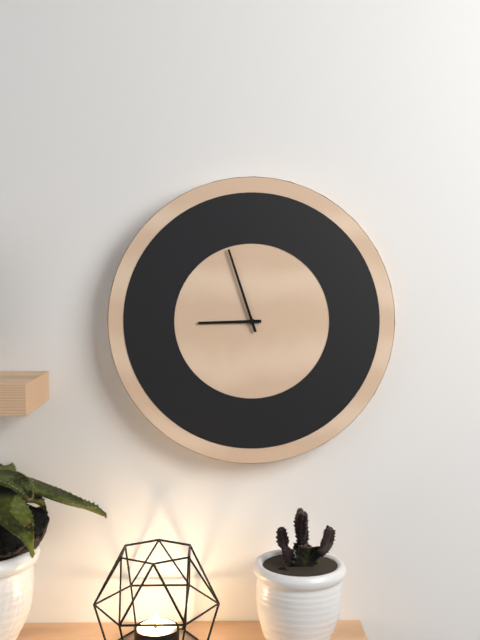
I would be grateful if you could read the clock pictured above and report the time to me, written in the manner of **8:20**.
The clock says **8:57**
